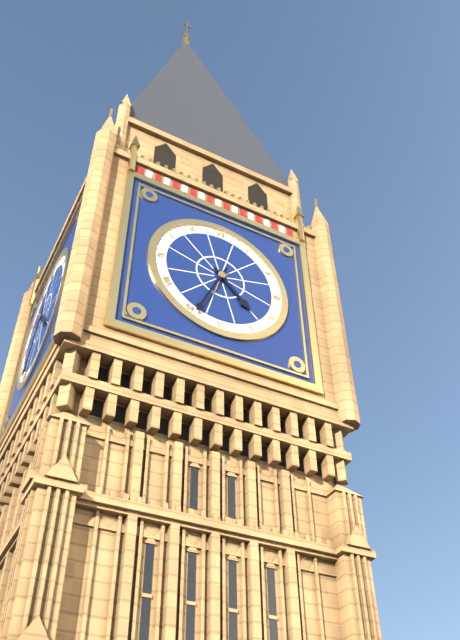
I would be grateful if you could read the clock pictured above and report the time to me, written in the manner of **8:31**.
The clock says **4:34**
